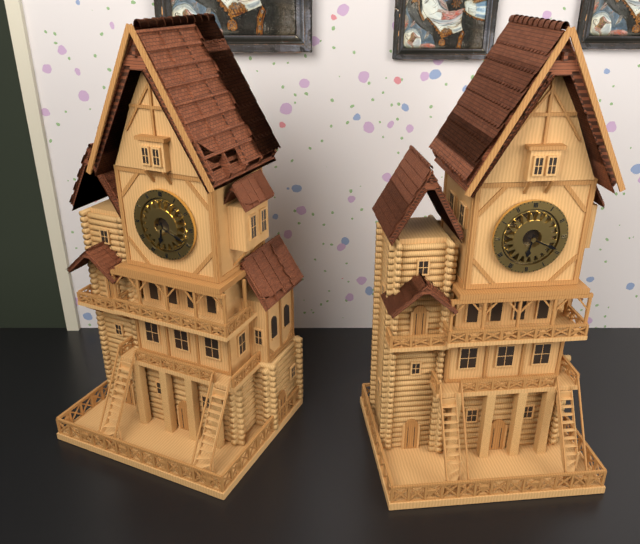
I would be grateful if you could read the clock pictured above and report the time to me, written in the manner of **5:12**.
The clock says **6:19**
